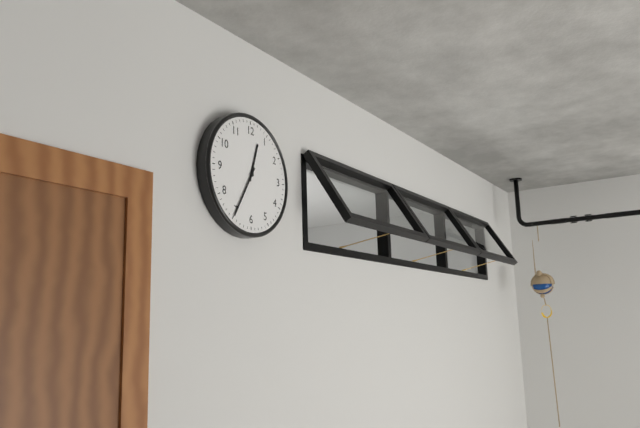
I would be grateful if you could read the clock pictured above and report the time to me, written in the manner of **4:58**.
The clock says **12:35**
